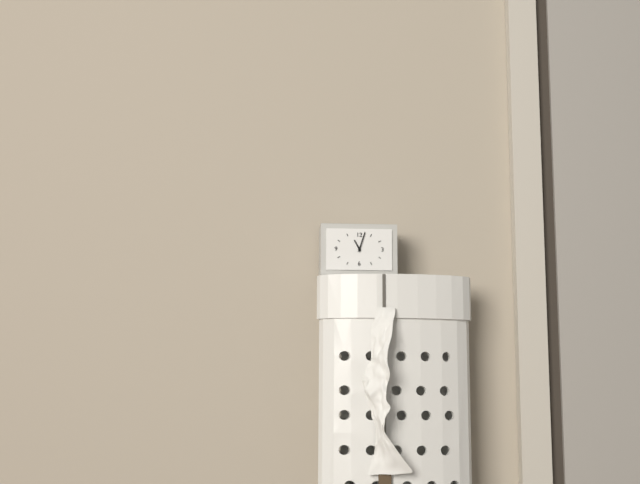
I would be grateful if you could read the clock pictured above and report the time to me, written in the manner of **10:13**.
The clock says **11:03**
